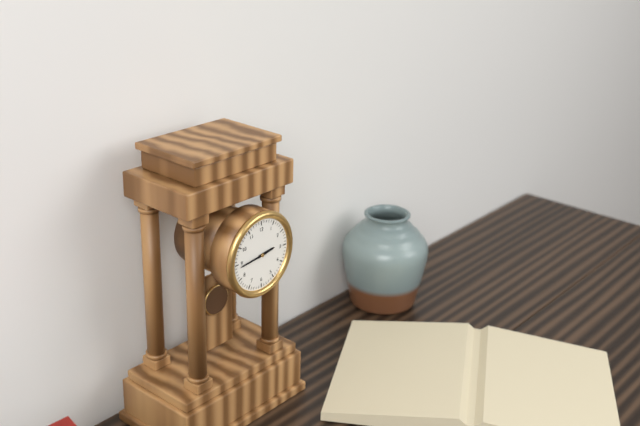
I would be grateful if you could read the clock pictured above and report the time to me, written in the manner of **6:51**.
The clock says **2:44**
